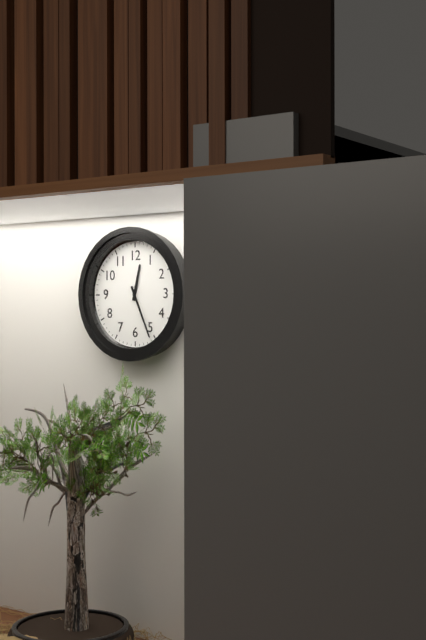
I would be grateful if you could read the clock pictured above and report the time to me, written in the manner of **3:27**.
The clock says **12:26**
